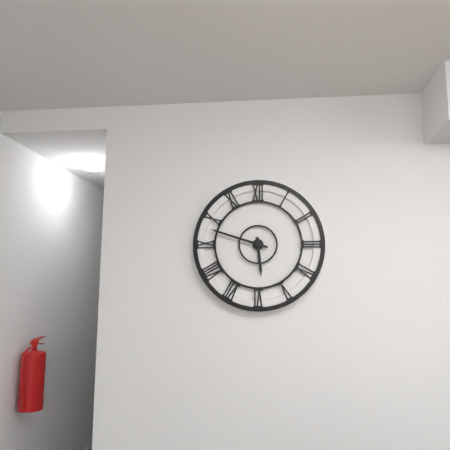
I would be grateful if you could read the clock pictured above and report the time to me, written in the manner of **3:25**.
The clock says **5:48**
